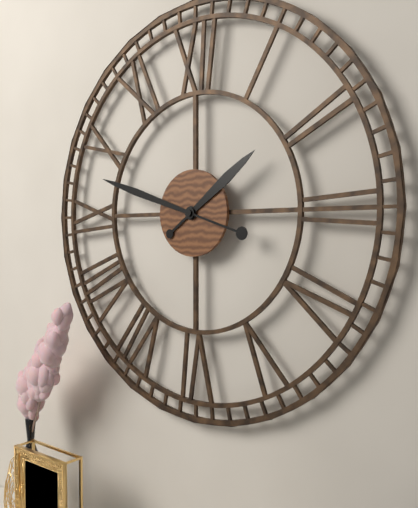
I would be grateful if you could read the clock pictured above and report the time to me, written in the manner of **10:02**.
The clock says **1:48**
